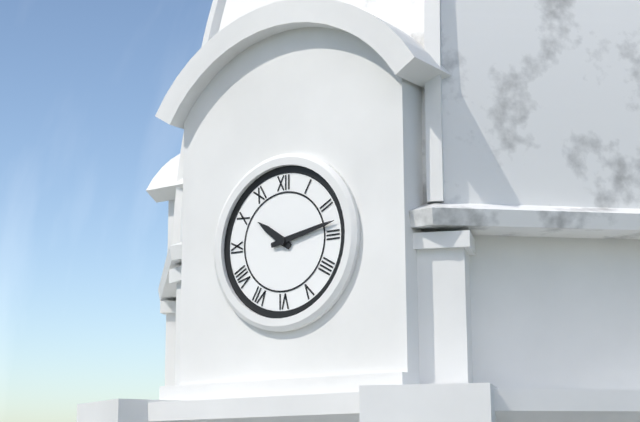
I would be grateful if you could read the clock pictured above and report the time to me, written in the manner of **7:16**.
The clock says **10:13**
